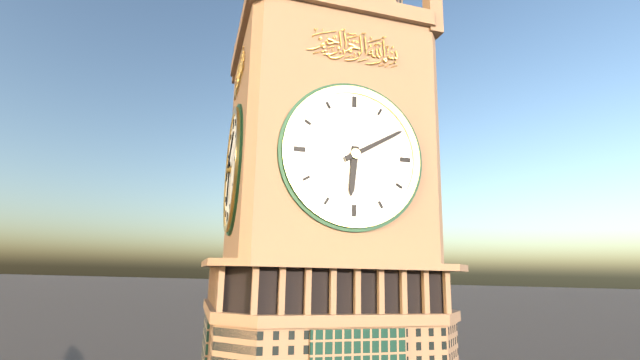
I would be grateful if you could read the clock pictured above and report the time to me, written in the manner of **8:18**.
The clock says **6:10**
